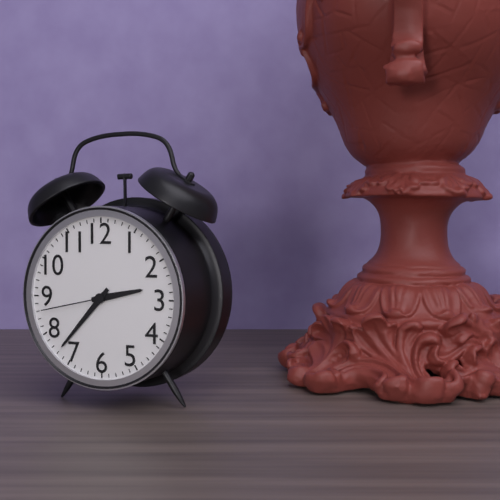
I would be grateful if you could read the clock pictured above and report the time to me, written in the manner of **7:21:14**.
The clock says **2:37:43**
